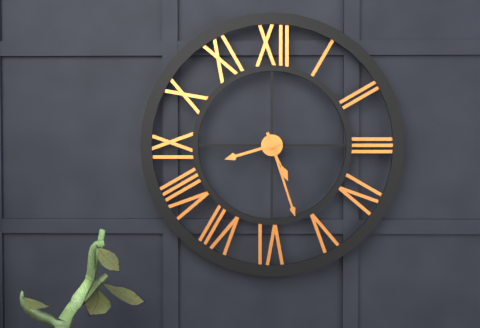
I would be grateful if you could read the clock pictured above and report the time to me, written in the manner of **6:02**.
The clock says **8:27**
